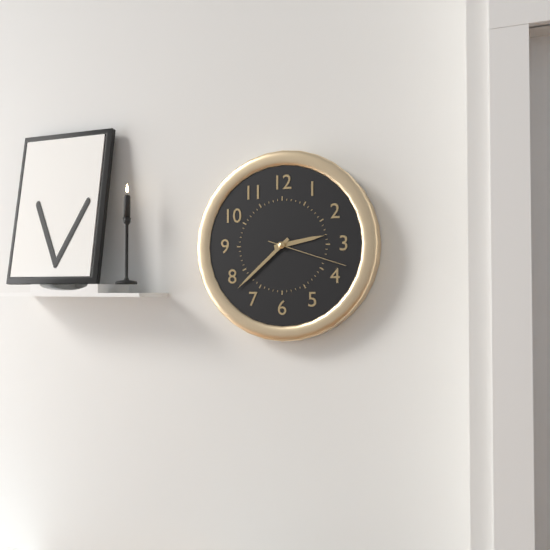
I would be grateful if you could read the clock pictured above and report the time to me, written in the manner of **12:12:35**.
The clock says **2:38:18**
